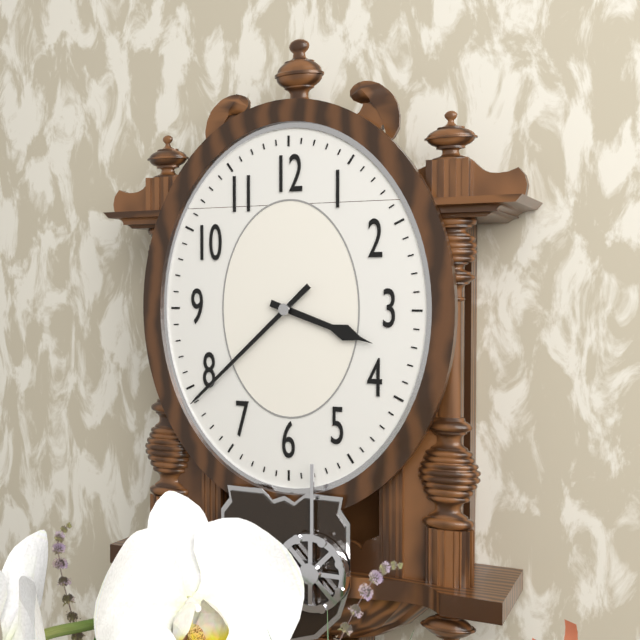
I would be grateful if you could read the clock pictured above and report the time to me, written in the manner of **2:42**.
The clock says **3:38**
